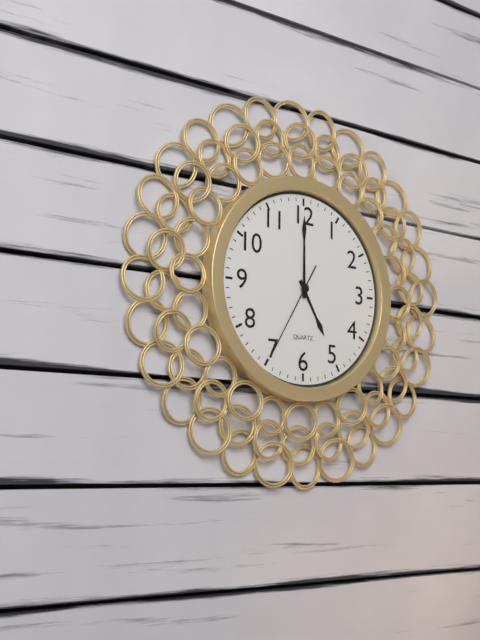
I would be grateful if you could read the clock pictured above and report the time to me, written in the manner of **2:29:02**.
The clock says **5:00:35**
